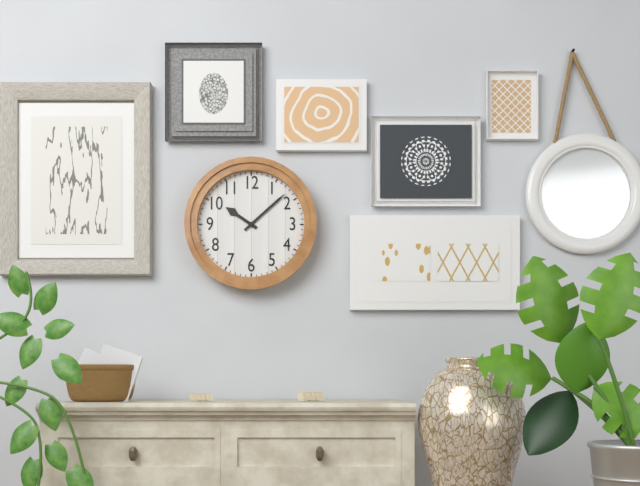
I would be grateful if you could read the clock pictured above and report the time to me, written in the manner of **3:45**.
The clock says **10:08**
